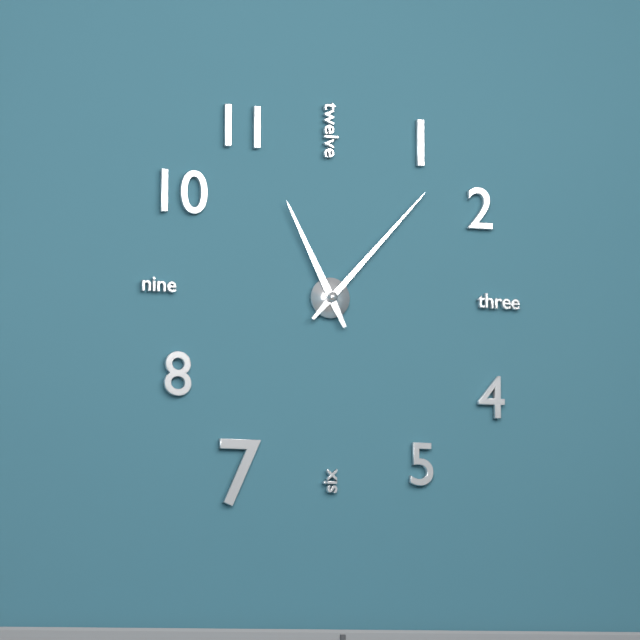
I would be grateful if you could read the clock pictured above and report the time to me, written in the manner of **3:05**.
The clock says **11:07**
